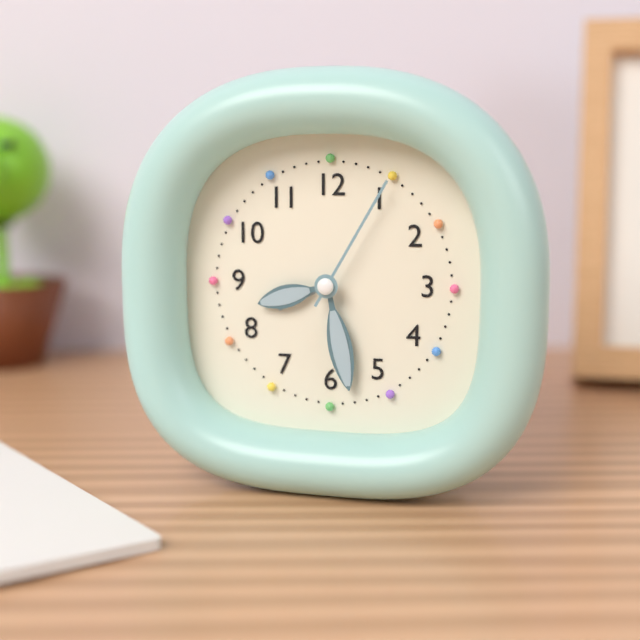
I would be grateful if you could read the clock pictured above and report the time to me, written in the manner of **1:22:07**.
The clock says **8:28:05**
